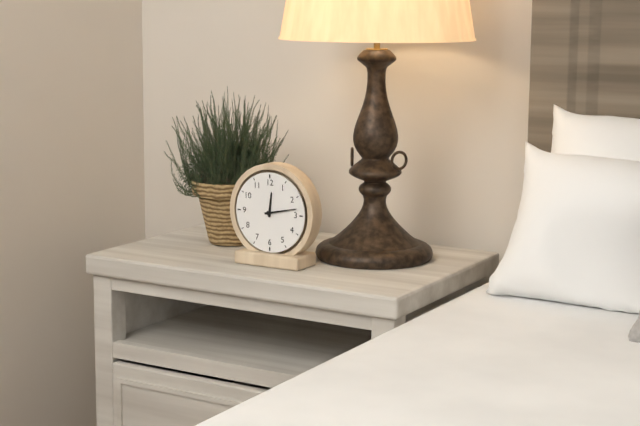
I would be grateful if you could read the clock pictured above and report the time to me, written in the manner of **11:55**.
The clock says **12:13**
